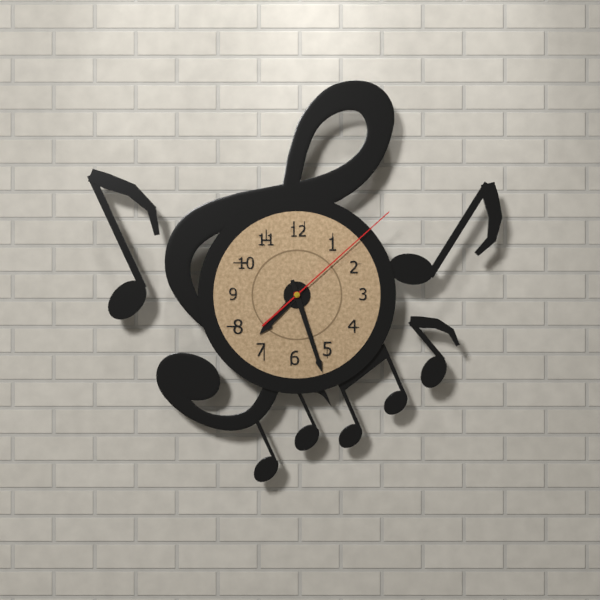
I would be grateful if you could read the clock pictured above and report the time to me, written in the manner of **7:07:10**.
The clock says **7:27:08**
